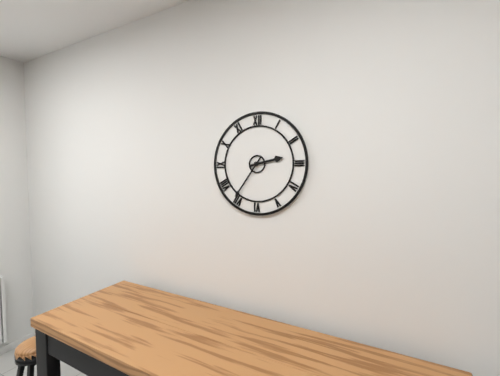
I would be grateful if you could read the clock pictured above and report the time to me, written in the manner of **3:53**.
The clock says **2:36**
